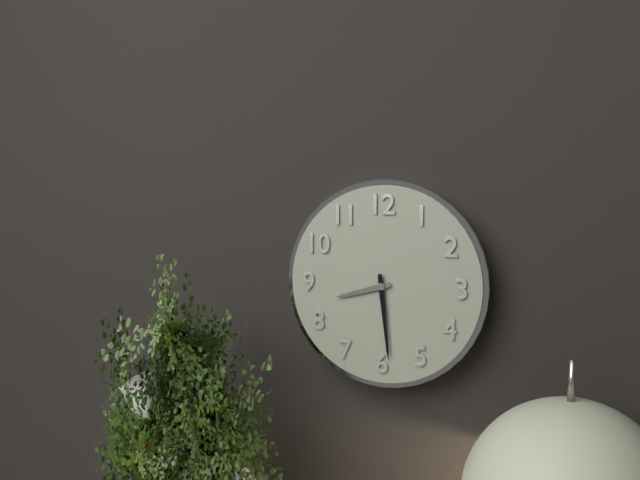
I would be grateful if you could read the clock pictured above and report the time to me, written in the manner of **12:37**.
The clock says **8:29**
